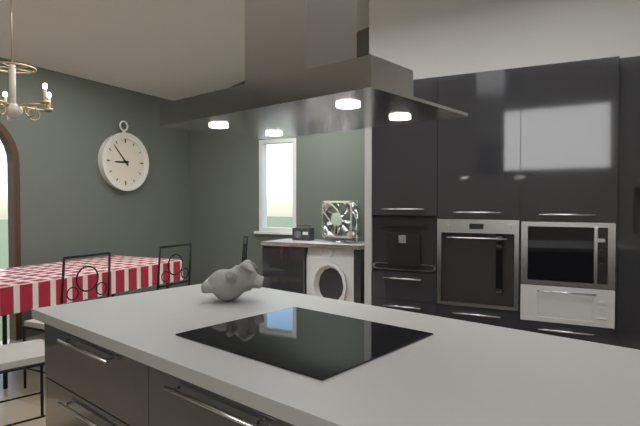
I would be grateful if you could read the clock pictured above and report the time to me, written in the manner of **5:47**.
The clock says **8:53**
